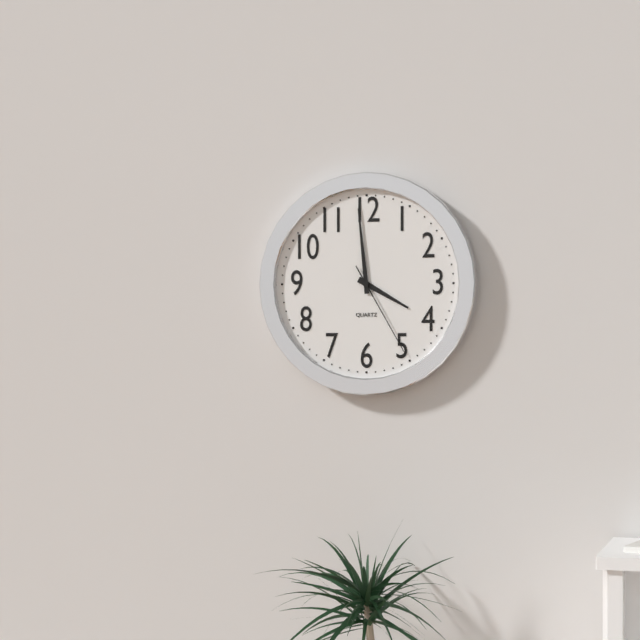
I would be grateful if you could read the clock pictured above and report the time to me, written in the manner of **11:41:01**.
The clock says **3:59:25**
